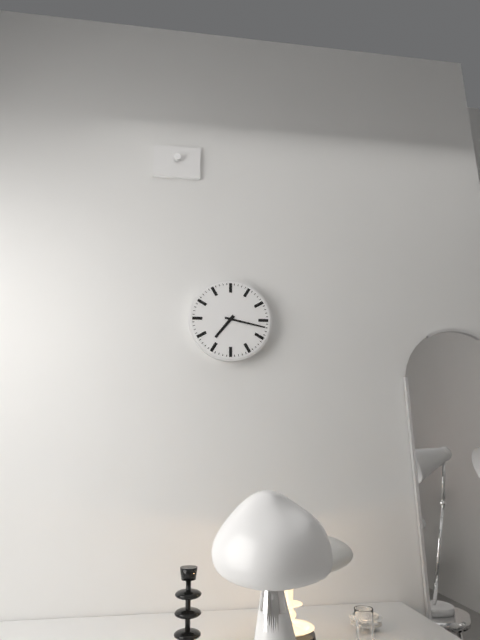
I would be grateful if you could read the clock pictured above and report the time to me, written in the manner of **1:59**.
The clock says **7:17**
